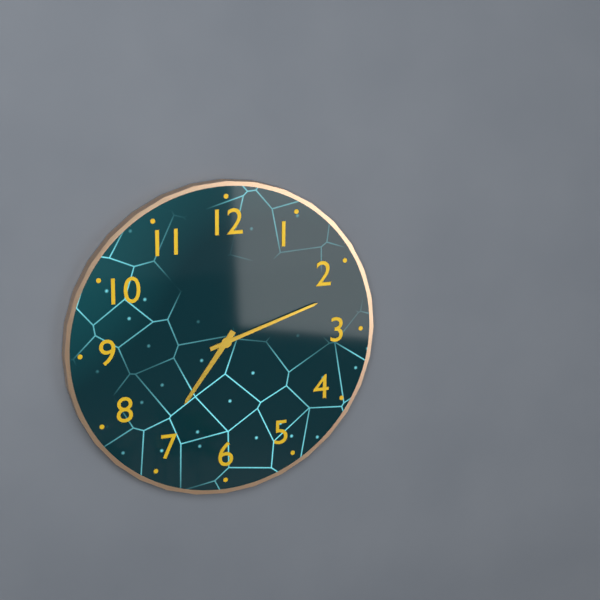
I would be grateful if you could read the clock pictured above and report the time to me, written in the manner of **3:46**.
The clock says **7:12**
